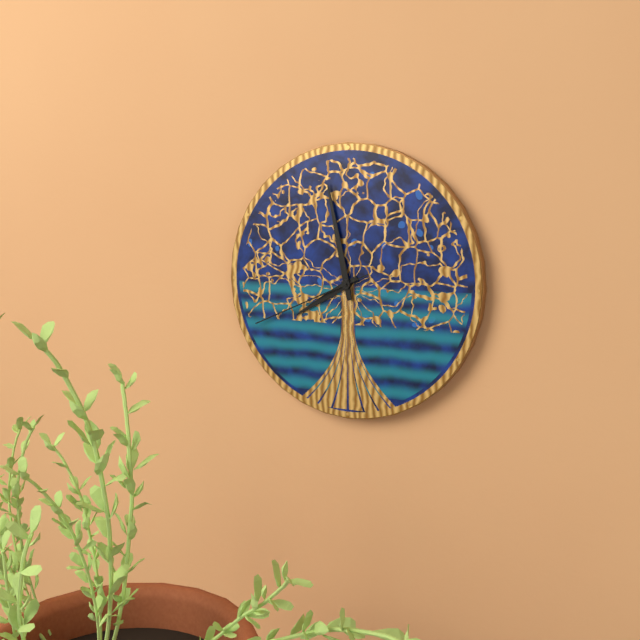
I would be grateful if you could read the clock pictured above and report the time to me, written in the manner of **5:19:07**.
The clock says **7:58:41**
